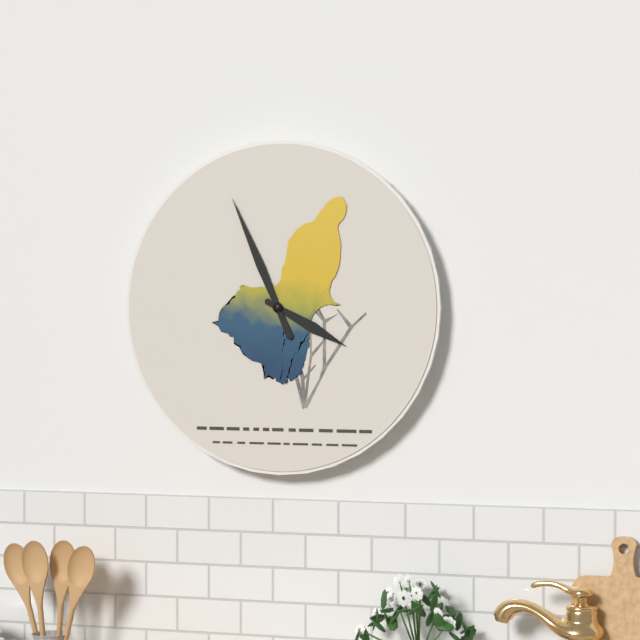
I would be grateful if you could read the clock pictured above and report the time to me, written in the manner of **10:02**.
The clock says **3:56**
